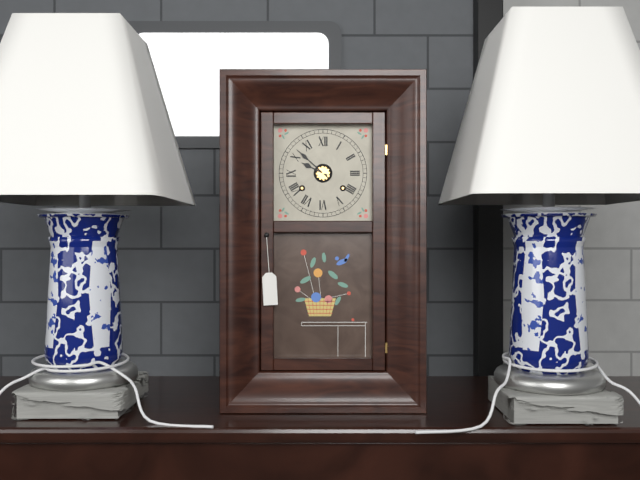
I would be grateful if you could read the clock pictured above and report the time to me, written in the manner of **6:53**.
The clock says **9:52**
